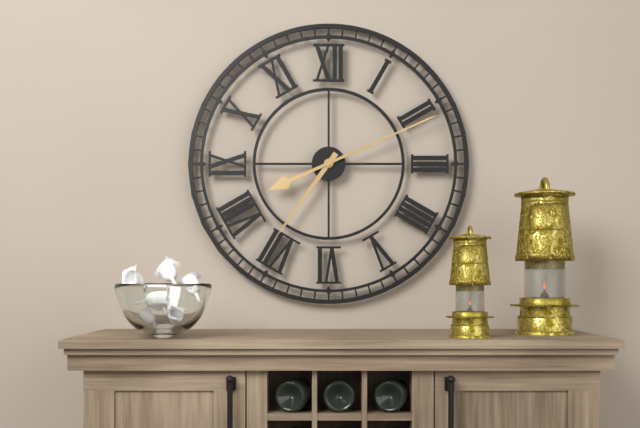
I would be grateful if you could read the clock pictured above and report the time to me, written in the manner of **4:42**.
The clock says **7:11**
